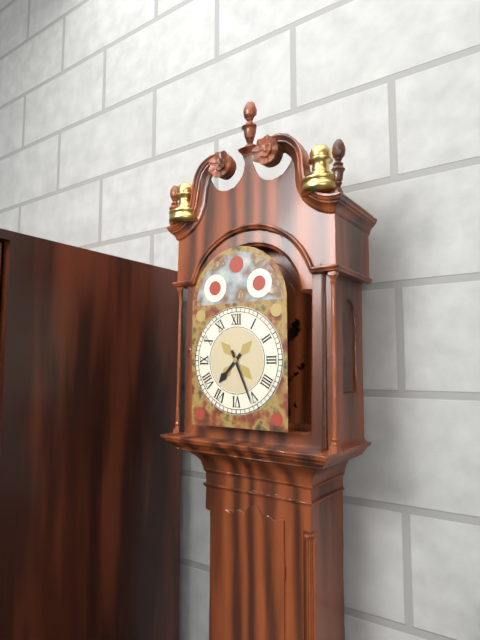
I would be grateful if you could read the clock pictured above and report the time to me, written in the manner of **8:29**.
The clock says **7:26**
